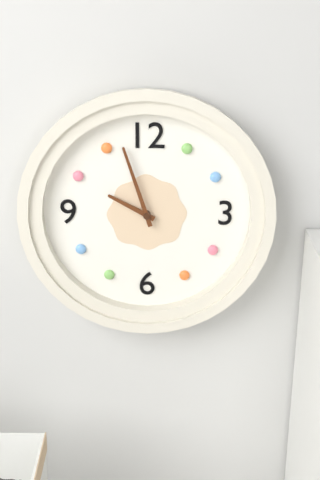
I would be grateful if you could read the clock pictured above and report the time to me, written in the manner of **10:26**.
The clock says **9:57**
